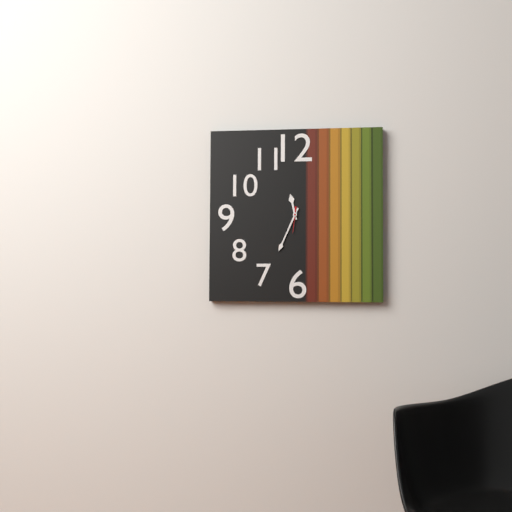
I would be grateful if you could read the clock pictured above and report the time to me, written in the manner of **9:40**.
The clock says **11:34**
